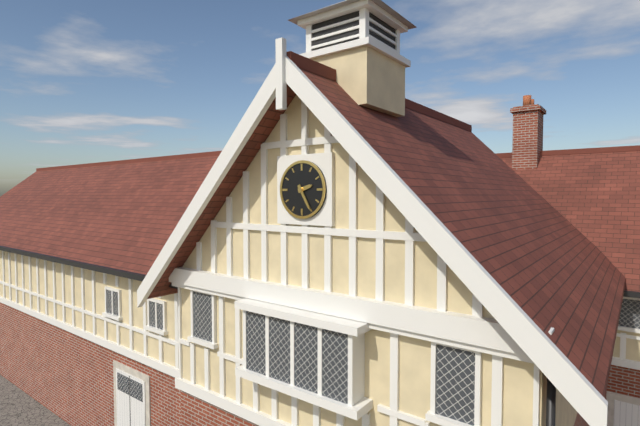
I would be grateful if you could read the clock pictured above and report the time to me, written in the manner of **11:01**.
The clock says **2:25**
